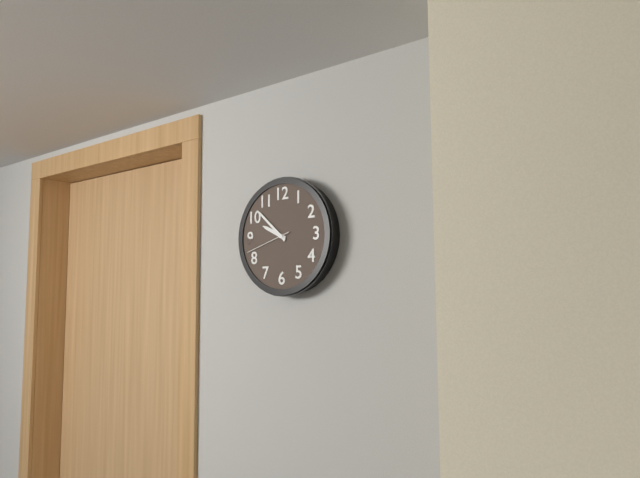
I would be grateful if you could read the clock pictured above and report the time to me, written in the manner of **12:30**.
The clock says **9:52**
